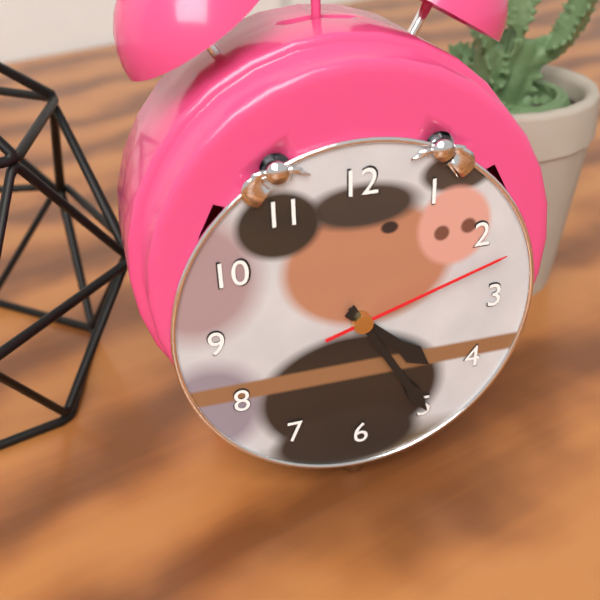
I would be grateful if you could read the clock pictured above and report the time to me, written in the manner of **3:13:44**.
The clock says **4:25:12**
